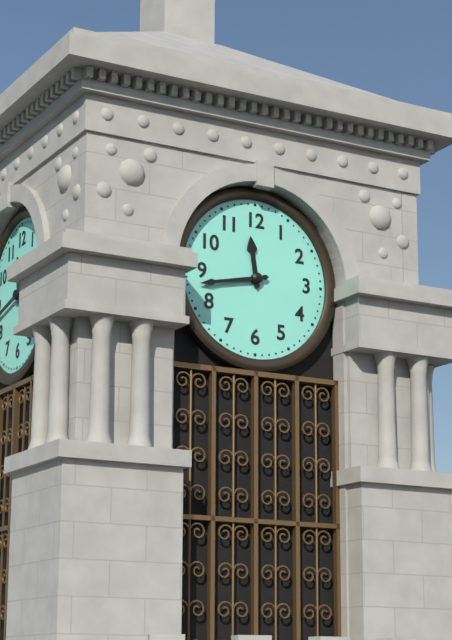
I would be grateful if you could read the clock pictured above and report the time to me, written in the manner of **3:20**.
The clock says **11:43**
